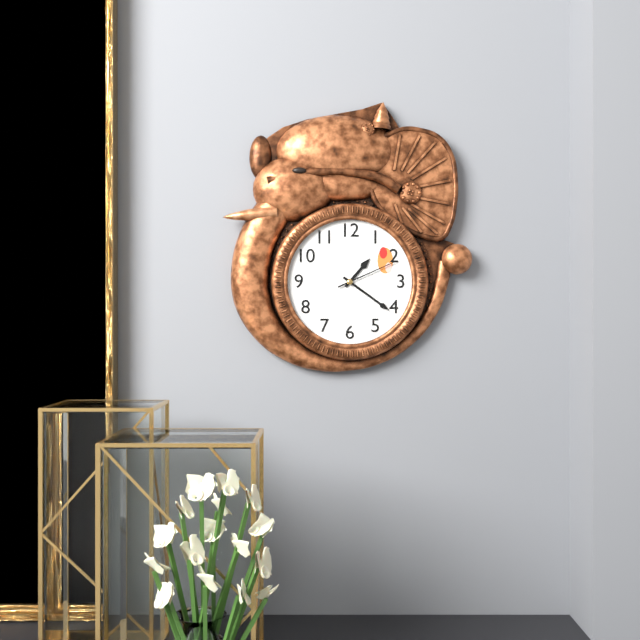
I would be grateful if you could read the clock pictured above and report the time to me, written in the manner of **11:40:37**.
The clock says **1:21:11**
